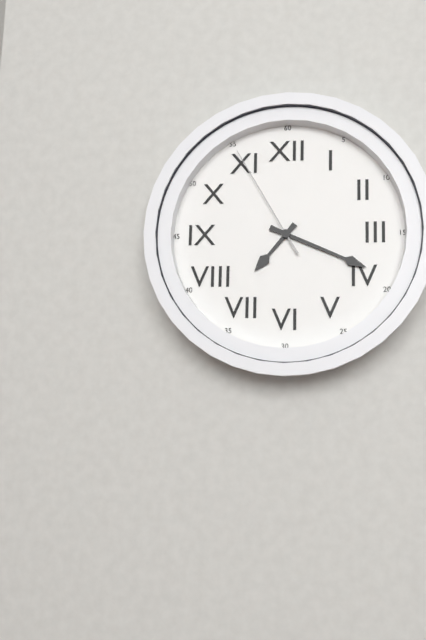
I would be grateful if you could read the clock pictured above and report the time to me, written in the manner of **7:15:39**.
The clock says **7:19:55**
